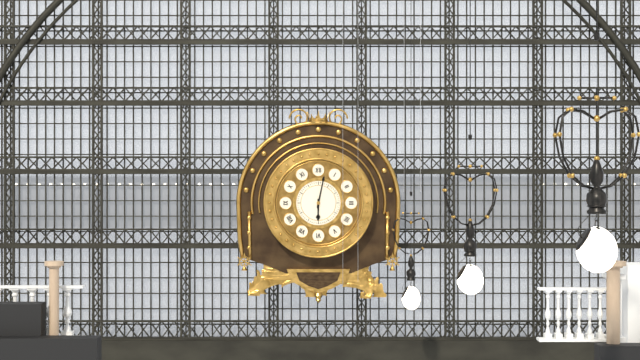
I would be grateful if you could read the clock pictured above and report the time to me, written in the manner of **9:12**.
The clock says **6:02**
